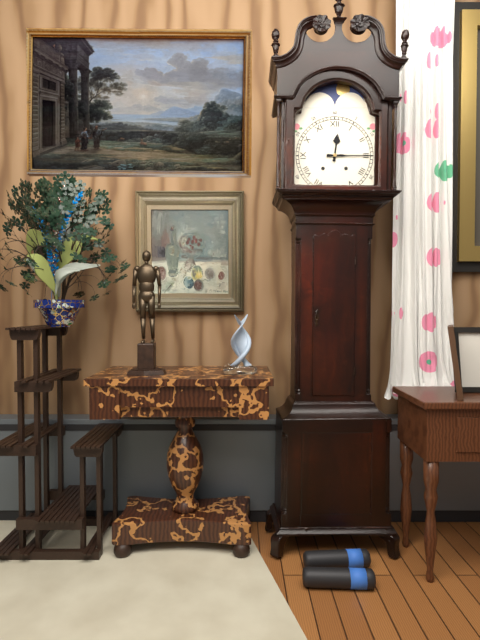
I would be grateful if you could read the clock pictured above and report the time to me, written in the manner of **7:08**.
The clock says **12:15**
